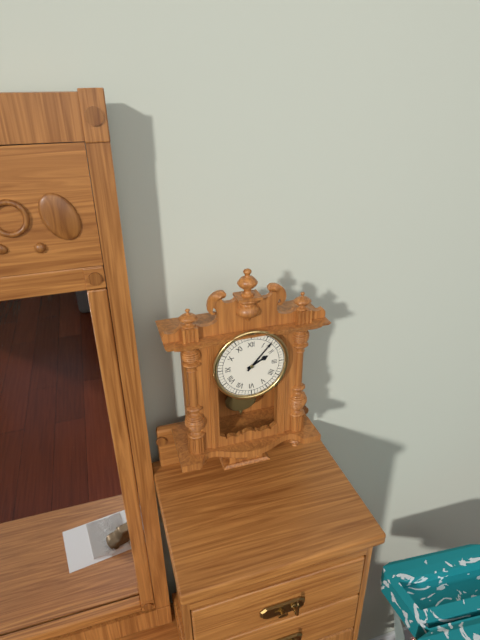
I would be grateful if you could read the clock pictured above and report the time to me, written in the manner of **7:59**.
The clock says **2:07**
